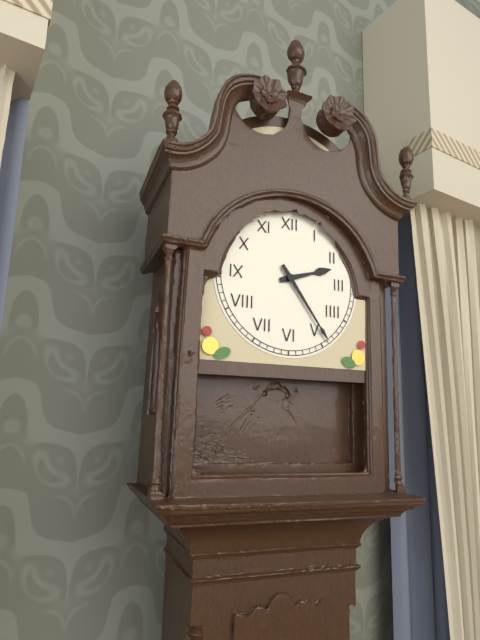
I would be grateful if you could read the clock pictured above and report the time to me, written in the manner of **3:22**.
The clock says **2:24**
